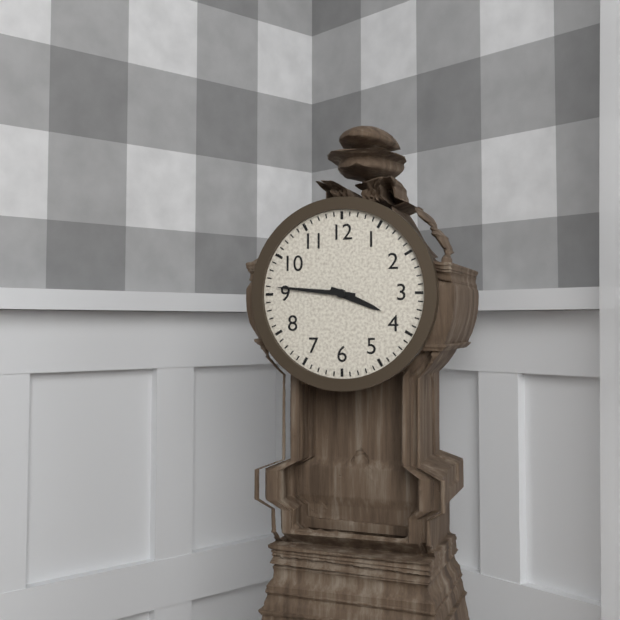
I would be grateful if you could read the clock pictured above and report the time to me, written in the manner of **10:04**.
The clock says **3:46**
